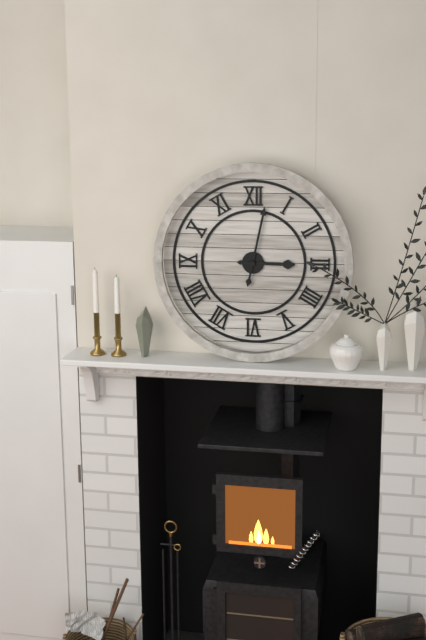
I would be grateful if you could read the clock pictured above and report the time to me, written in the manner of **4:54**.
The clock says **3:02**
